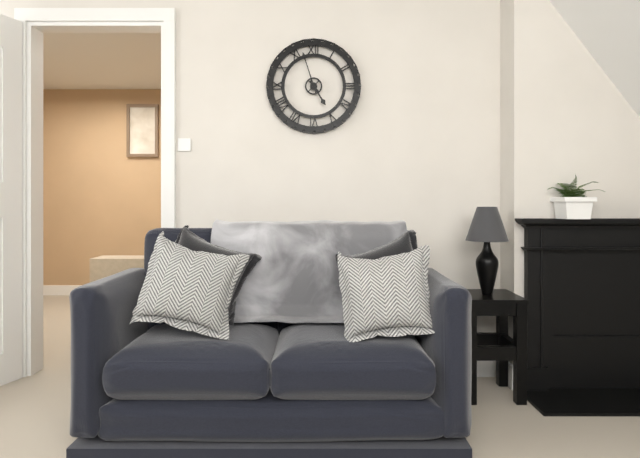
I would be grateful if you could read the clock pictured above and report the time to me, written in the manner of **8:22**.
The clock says **4:57**
